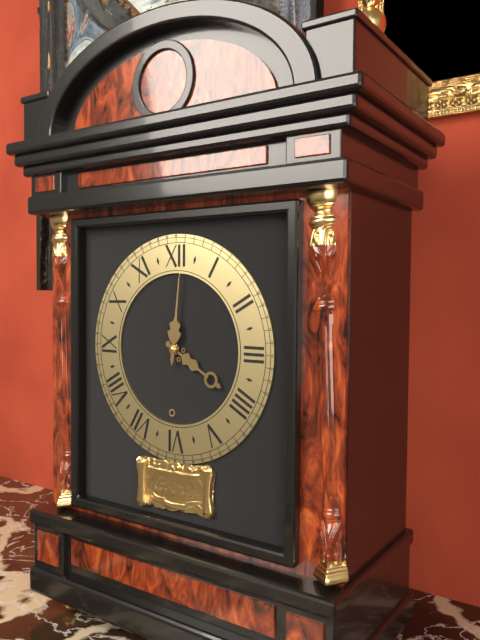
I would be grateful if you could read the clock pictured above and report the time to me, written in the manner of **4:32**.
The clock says **4:01**
